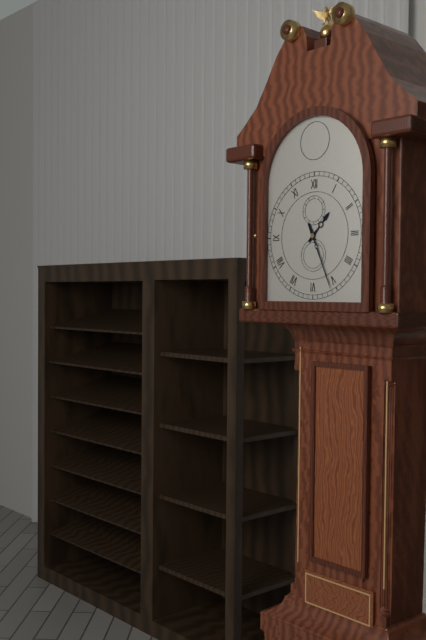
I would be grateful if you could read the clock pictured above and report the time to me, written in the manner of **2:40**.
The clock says **1:26**
